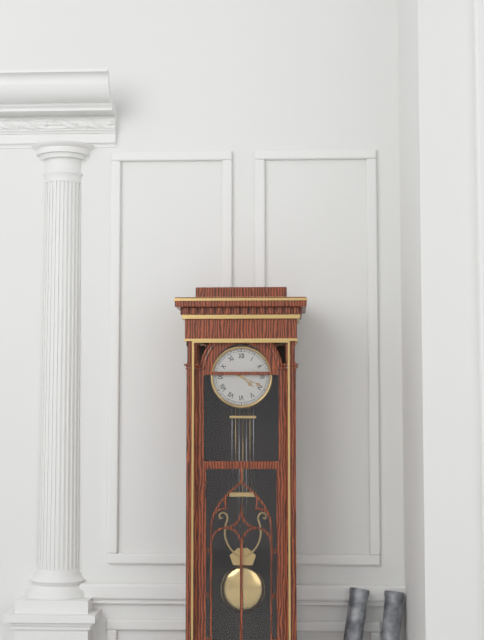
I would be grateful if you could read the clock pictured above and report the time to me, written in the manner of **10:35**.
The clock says **4:19**
